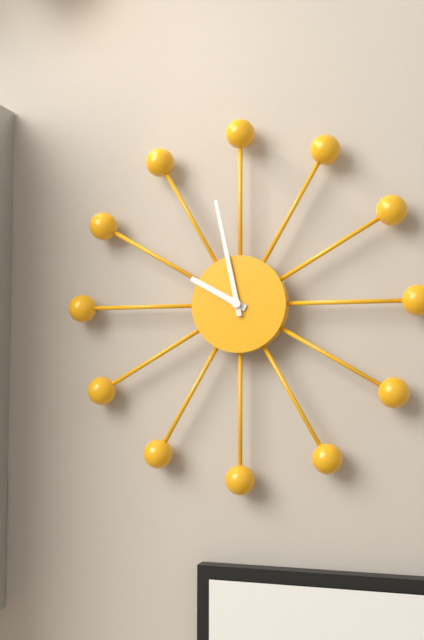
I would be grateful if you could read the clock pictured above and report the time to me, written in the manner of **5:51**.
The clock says **9:58**
